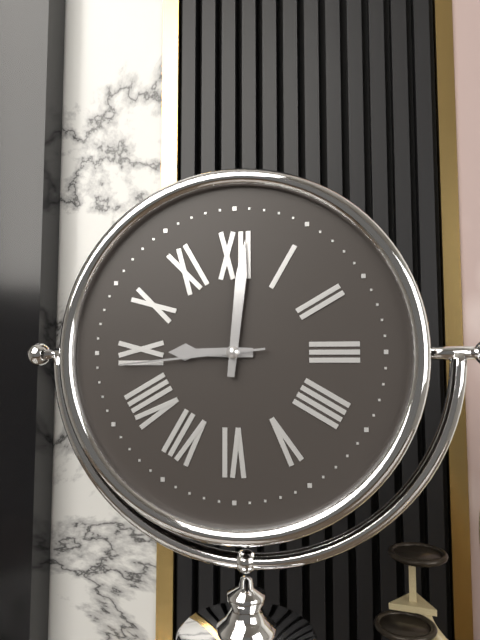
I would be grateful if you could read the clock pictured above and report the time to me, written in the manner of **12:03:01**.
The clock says **9:01:44**
